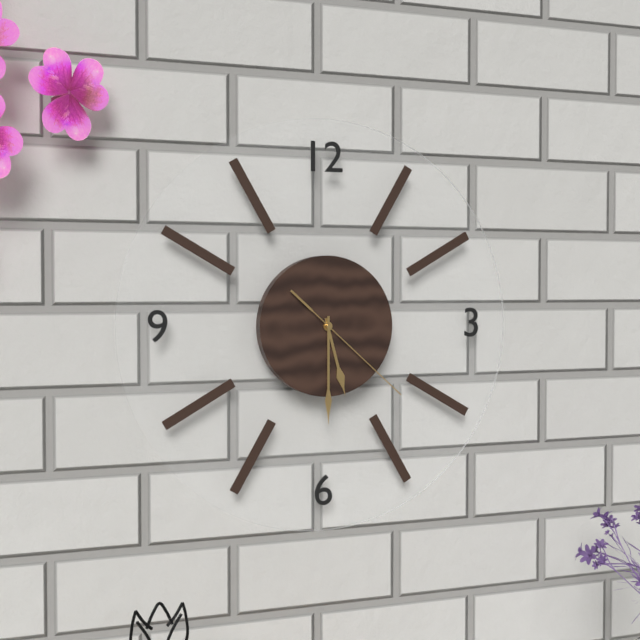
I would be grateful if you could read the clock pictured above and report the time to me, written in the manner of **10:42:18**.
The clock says **5:30:22**
